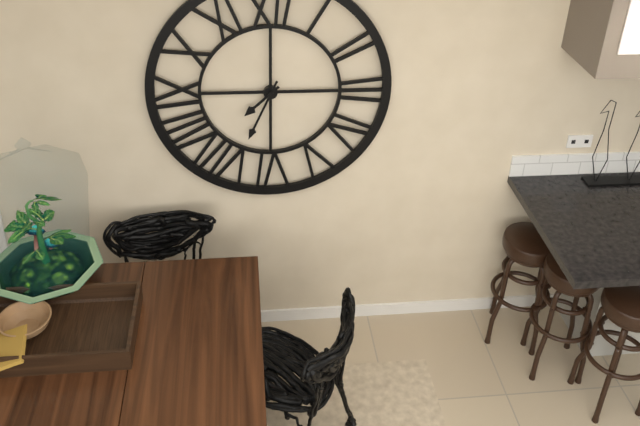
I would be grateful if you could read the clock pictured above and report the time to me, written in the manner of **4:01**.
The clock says **7:34**
